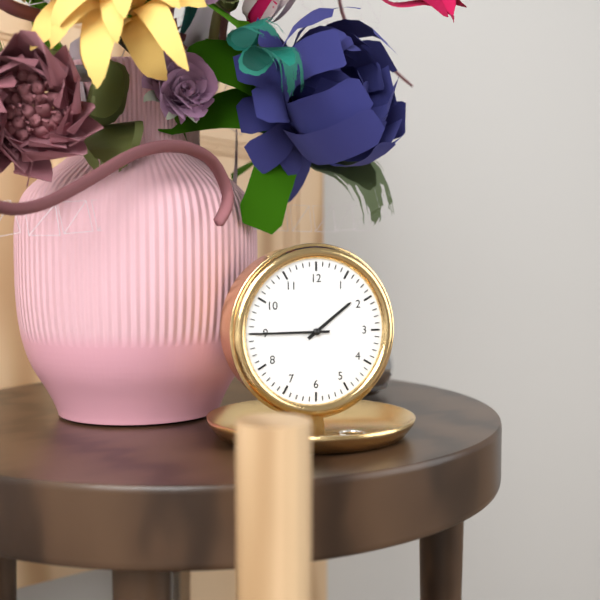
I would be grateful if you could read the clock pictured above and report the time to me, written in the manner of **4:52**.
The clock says **1:45**
